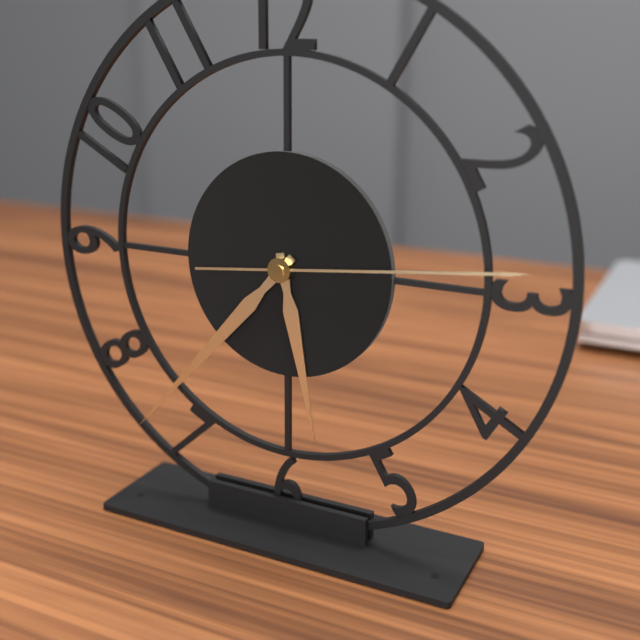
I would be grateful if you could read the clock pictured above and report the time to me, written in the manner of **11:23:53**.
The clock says **5:37:14**
